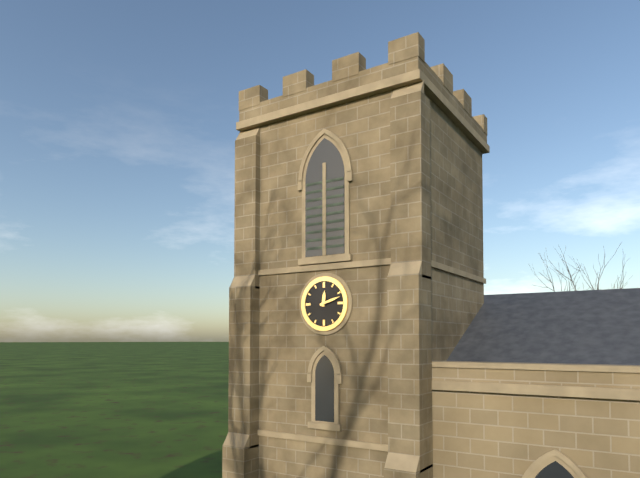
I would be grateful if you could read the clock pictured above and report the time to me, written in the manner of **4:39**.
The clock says **12:12**
